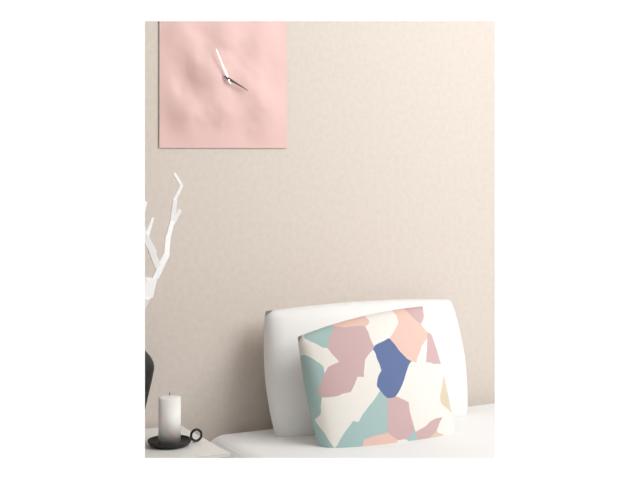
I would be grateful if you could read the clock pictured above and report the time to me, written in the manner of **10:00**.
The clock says **3:56**
